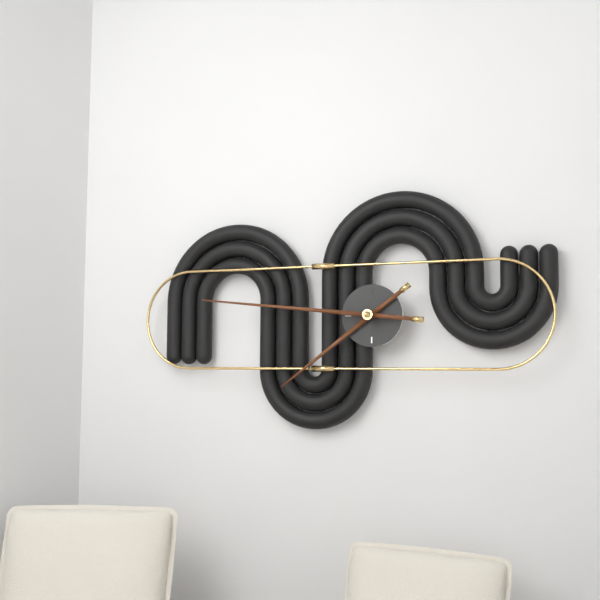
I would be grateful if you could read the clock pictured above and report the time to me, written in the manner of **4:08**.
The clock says **7:46**
